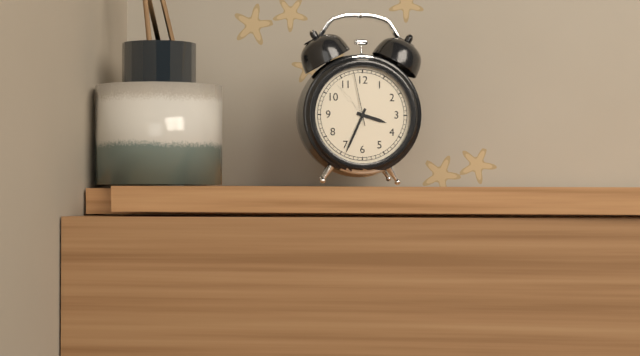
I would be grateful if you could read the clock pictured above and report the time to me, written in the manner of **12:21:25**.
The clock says **3:34:58**
